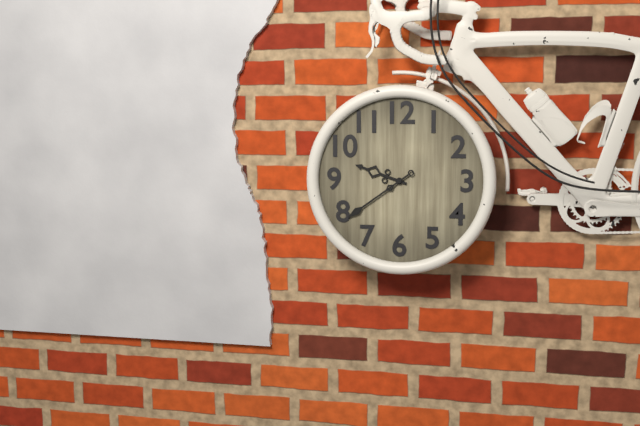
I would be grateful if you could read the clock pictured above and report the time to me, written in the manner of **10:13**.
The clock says **9:39**
